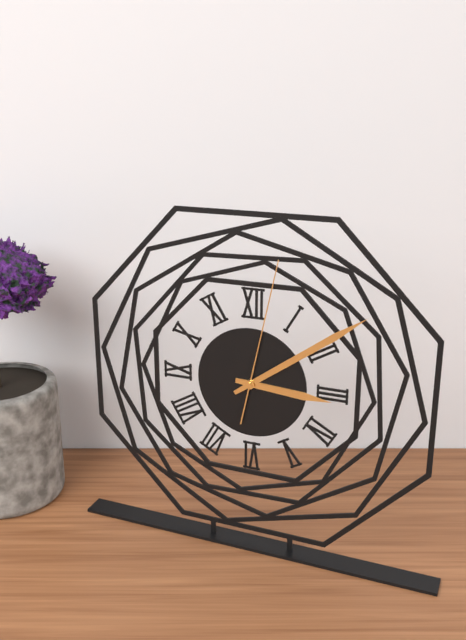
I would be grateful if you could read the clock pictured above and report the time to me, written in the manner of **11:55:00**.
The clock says **3:09:02**
